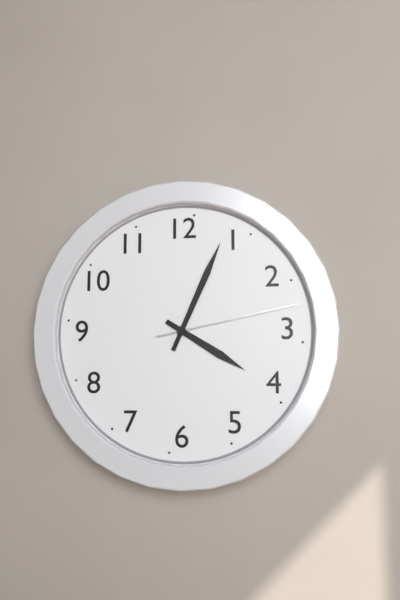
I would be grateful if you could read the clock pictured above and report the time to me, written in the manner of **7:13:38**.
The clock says **4:04:13**
